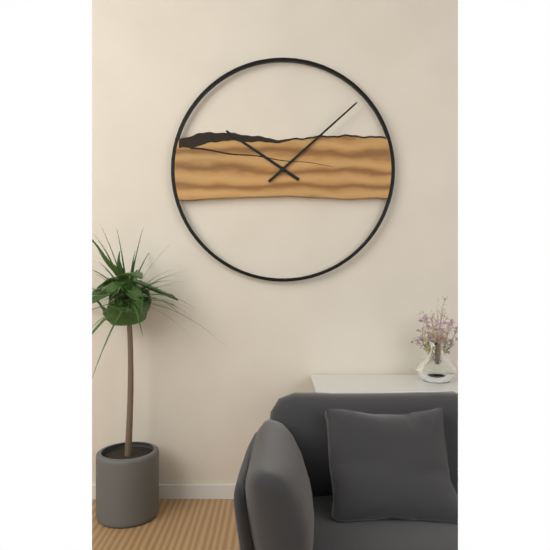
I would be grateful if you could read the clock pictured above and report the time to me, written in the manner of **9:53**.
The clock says **10:08**
